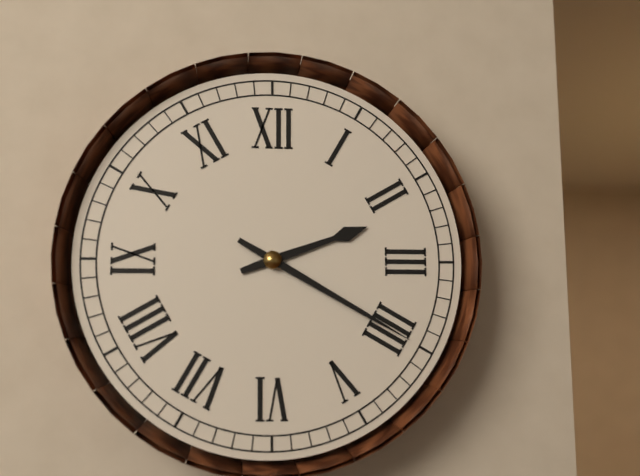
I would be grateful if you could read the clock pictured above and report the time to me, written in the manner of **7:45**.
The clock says **2:20**
